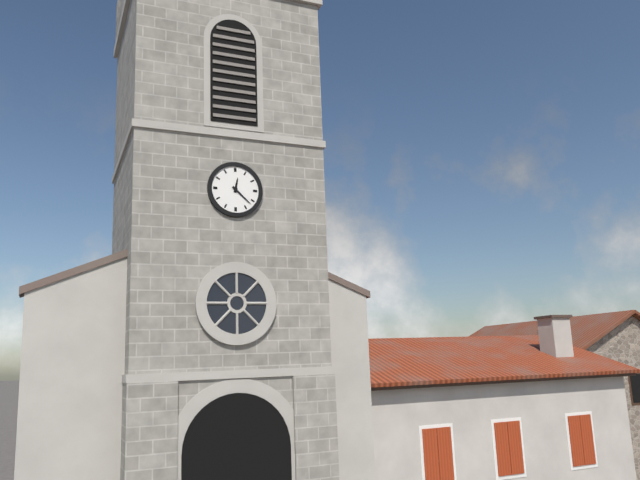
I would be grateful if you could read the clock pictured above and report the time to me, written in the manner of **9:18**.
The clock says **12:22**
